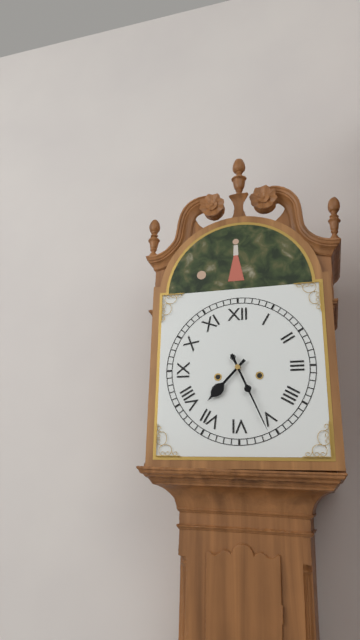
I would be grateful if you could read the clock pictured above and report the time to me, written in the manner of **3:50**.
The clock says **7:26**
